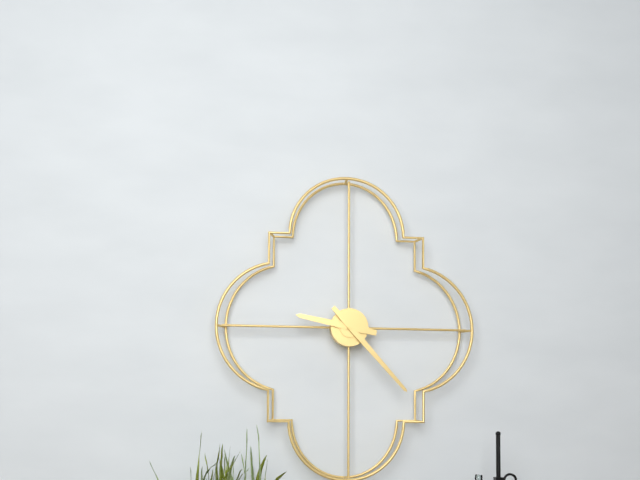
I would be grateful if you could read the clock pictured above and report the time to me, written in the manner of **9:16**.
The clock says **9:23**
